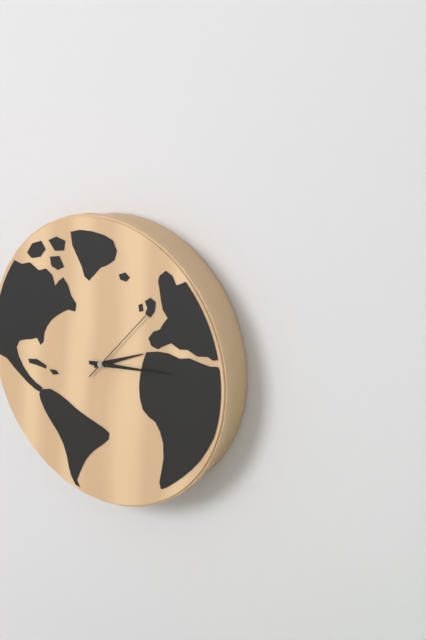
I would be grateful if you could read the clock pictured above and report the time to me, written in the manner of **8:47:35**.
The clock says **2:14:07**
